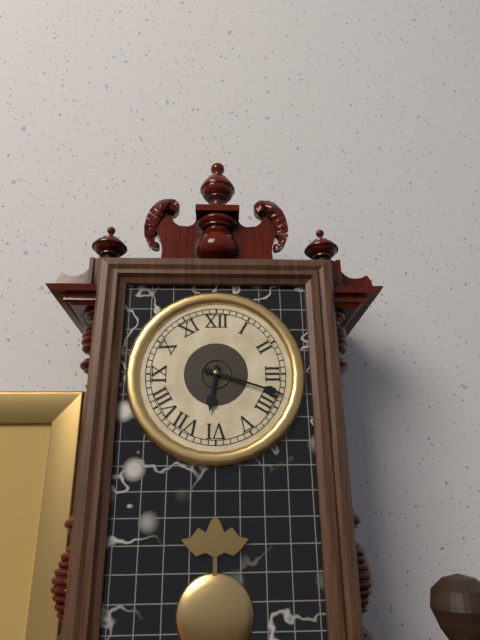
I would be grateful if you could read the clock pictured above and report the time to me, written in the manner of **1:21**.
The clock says **6:18**
